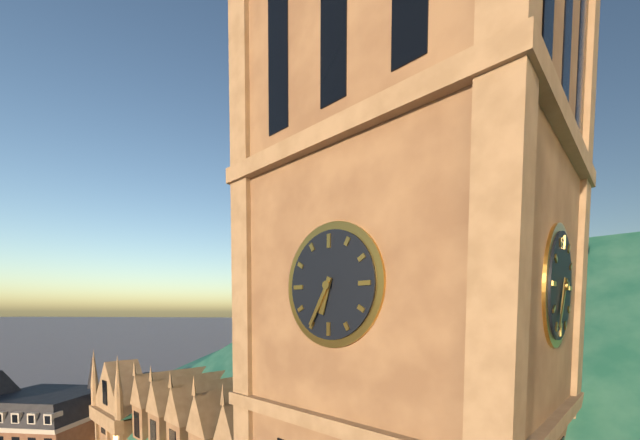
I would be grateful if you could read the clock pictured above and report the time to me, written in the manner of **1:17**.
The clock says **6:35**
